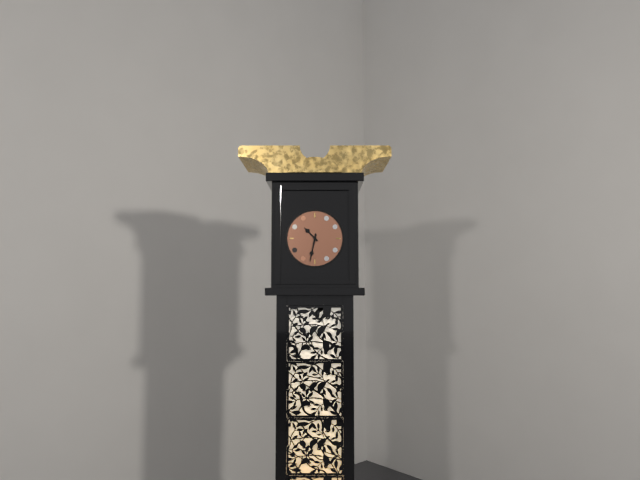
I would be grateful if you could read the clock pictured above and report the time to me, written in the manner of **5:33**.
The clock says **10:32**
